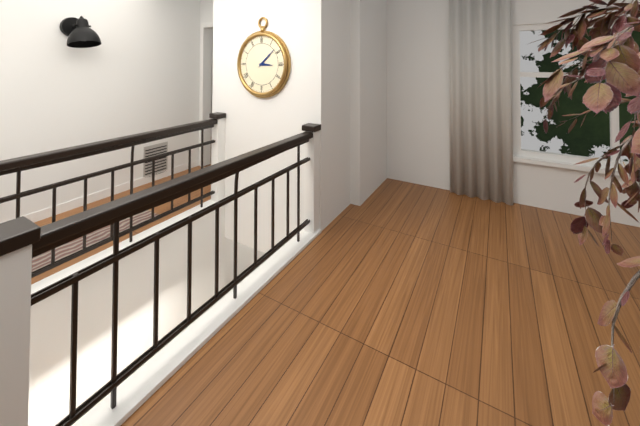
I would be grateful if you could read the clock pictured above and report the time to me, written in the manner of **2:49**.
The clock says **3:08**
